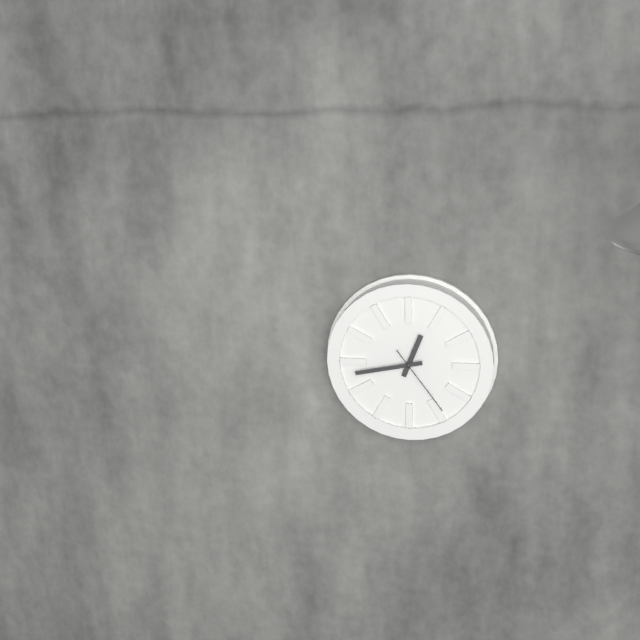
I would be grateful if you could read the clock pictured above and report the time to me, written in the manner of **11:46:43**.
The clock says **12:43:24**
